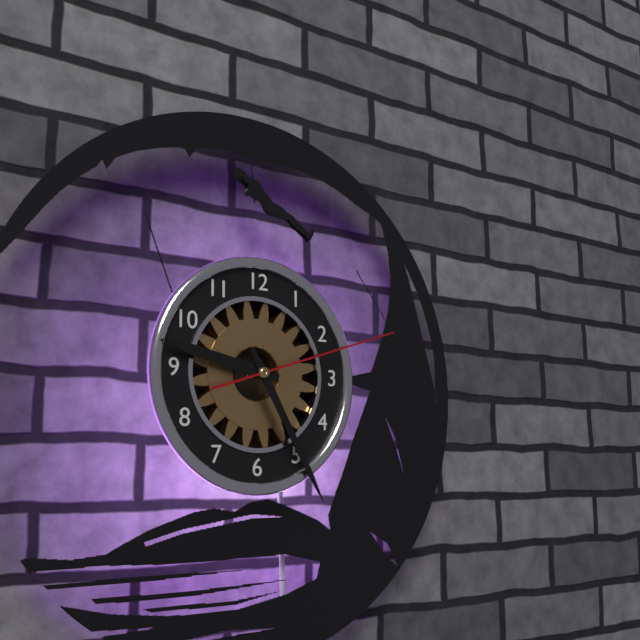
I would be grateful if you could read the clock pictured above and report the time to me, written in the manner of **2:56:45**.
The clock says **9:25:12**
